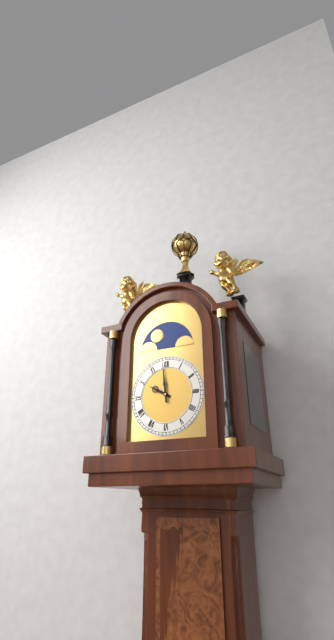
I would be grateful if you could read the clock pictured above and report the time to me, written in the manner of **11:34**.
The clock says **9:59**
